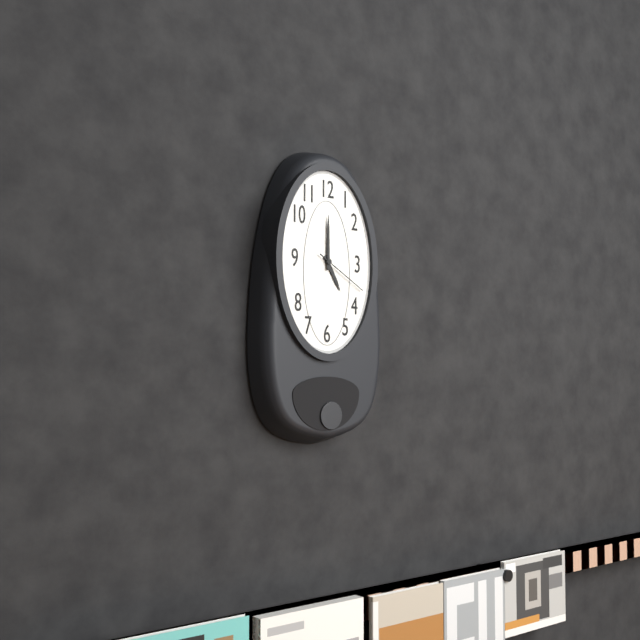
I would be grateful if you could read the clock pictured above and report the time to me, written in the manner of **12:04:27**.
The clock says **5:00:20**
